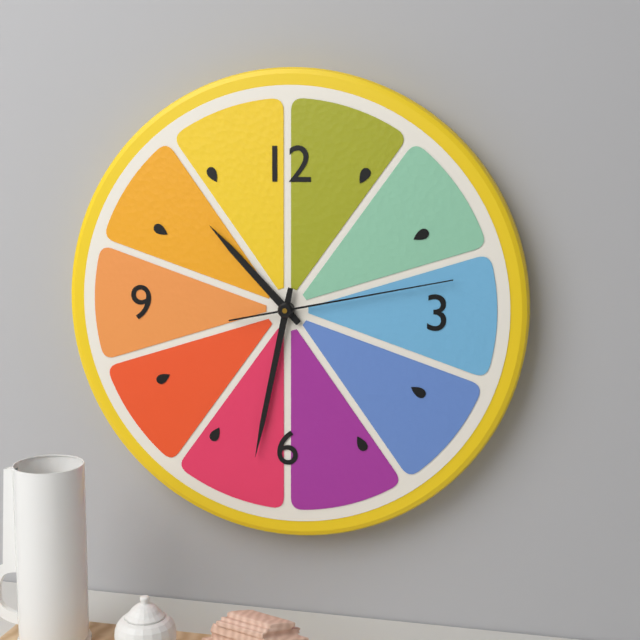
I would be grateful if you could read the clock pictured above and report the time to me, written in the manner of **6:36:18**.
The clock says **10:32:13**
